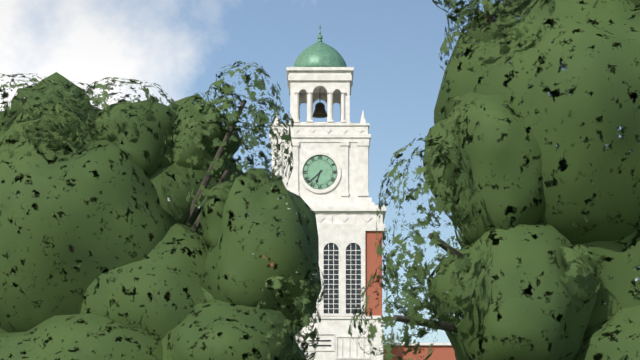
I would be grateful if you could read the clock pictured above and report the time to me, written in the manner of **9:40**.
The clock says **6:38**
